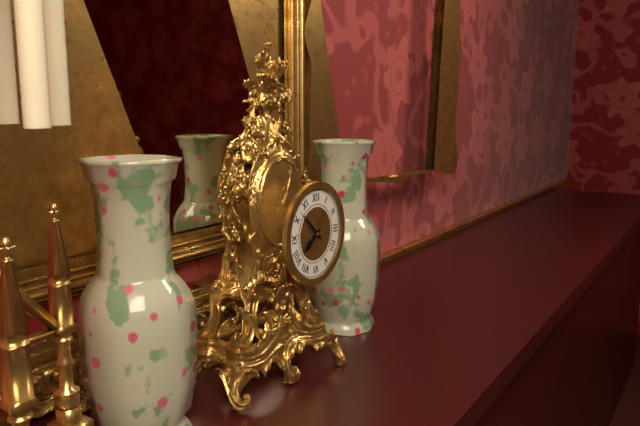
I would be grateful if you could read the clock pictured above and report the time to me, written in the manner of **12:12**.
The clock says **7:52**
